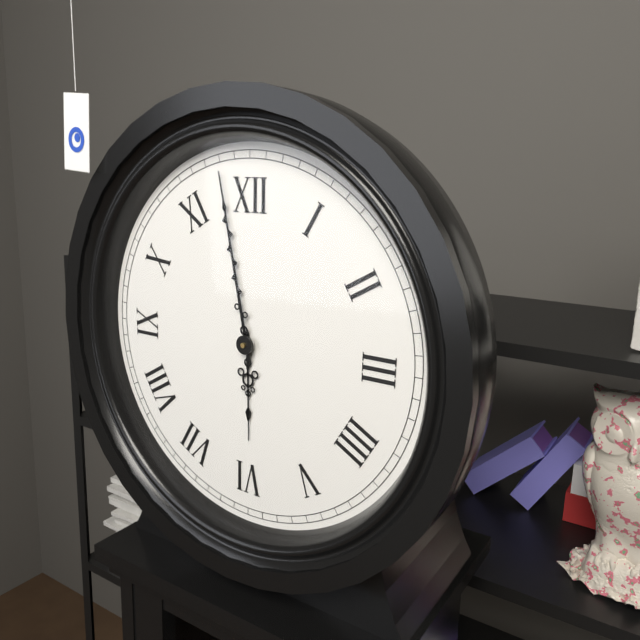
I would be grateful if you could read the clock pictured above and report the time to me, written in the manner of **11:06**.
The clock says **5:58**
